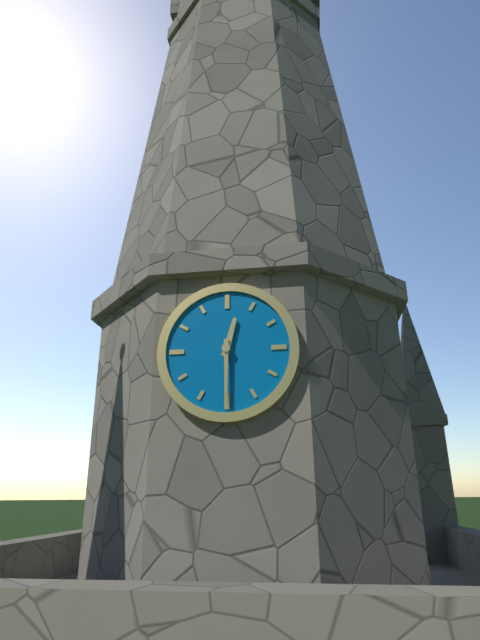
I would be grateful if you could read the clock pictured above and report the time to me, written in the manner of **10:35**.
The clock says **12:30**
